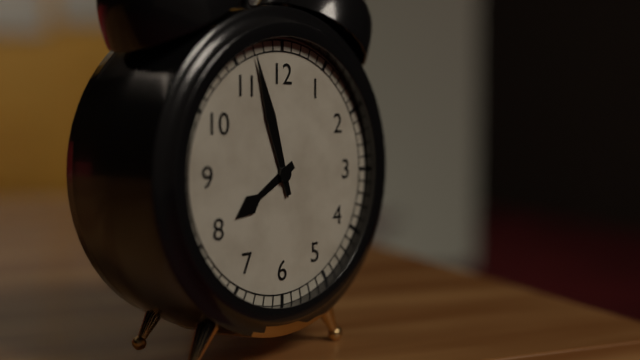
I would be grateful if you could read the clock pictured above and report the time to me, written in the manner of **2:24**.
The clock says **7:57**
